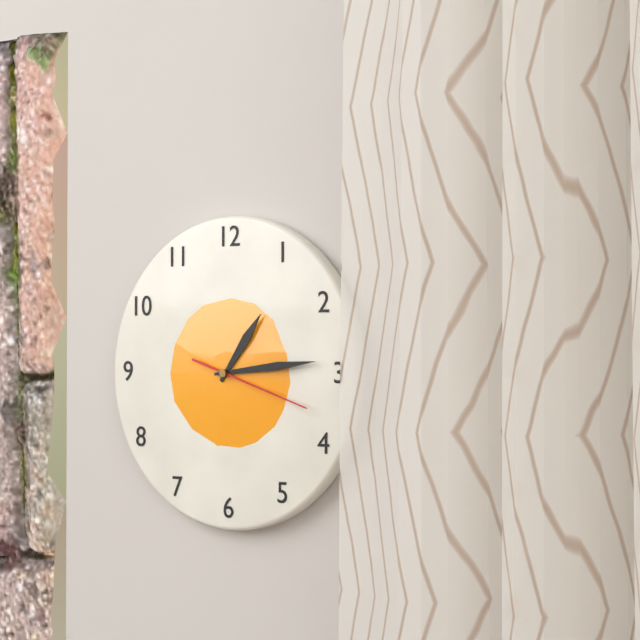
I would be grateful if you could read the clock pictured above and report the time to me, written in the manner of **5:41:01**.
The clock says **1:14:18**
